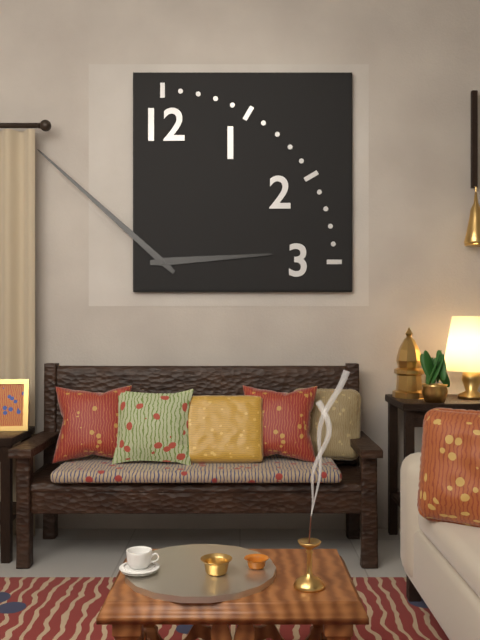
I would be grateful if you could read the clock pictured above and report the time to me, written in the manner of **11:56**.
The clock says **2:52**
